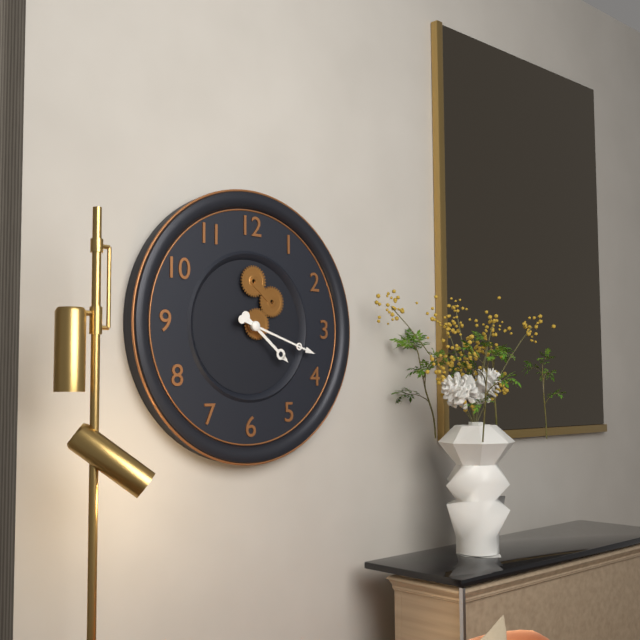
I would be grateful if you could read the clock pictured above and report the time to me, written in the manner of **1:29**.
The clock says **4:18**
